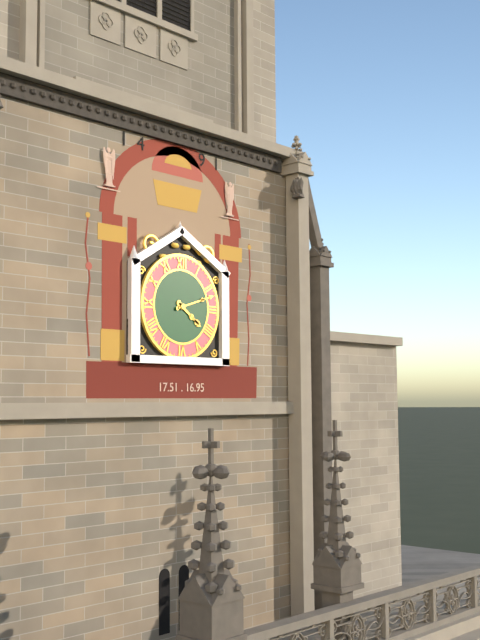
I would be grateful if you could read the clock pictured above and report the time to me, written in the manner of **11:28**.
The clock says **4:12**
